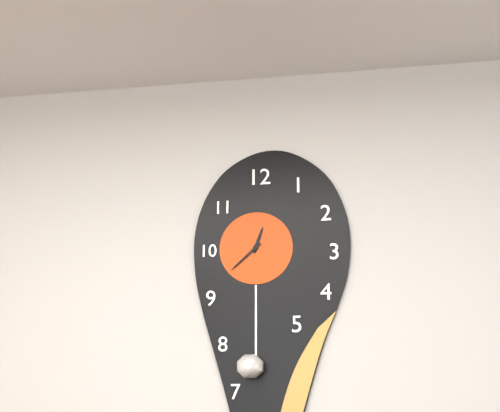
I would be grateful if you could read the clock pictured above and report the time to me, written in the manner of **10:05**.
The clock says **12:38**
